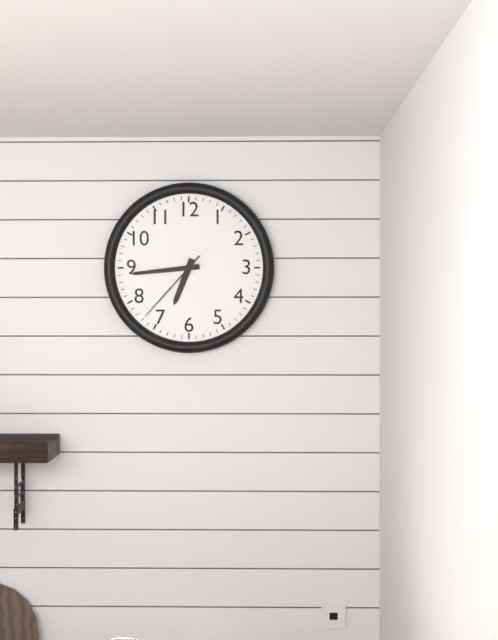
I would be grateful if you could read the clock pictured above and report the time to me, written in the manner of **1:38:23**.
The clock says **6:44:37**
